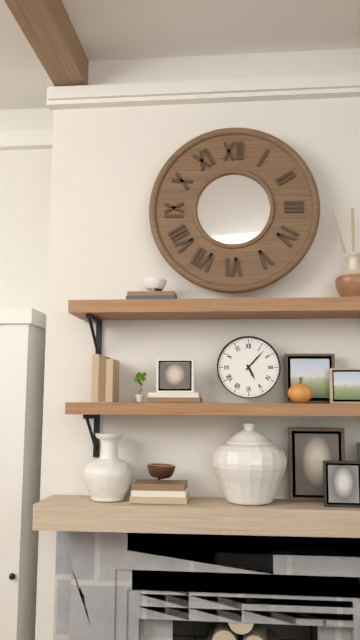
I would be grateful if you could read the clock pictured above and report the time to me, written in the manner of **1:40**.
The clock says **5:07**
